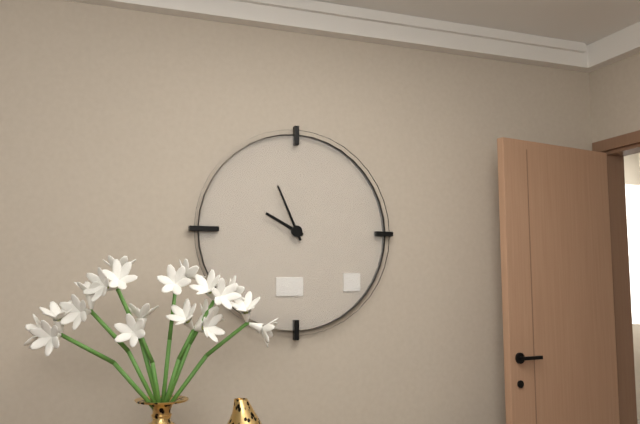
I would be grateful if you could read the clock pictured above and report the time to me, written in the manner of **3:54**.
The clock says **9:56**
